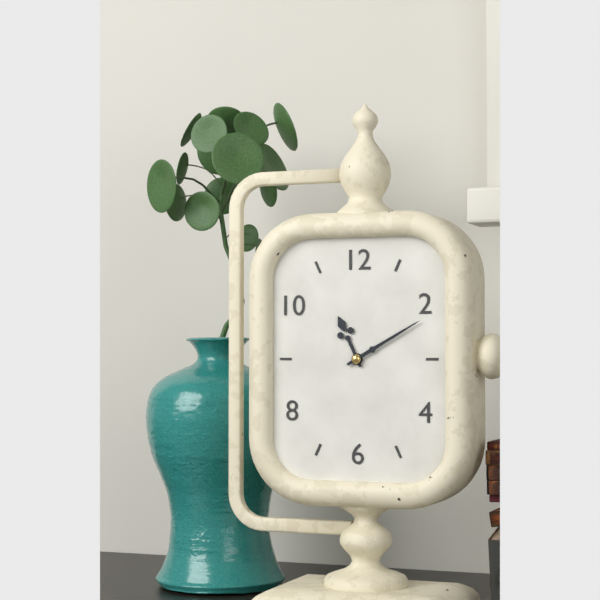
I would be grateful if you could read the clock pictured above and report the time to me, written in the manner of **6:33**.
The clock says **11:10**
